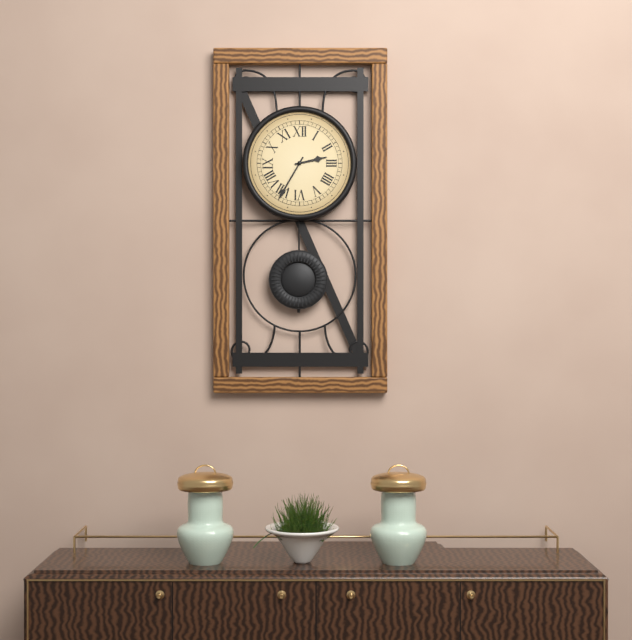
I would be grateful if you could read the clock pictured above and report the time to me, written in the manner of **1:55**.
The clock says **2:35**
